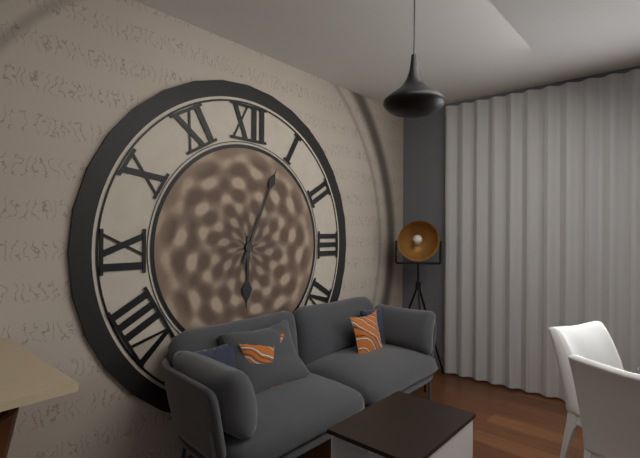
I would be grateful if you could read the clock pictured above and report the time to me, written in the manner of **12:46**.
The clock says **6:04**
